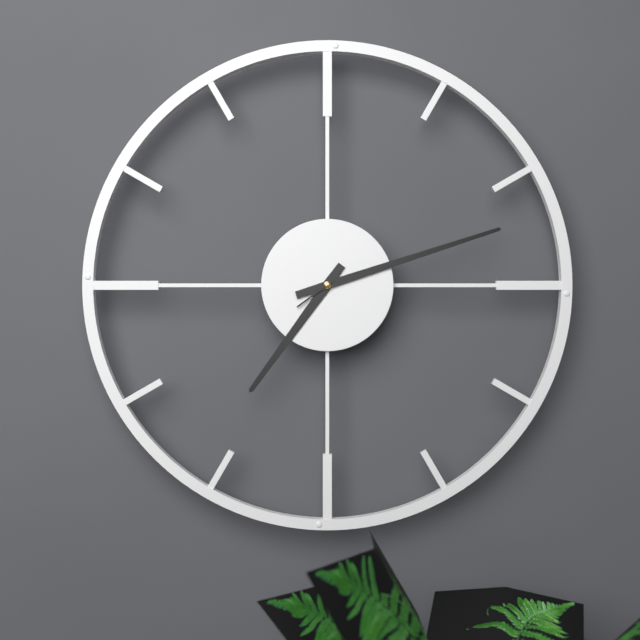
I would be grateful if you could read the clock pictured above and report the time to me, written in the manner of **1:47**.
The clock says **7:12**
